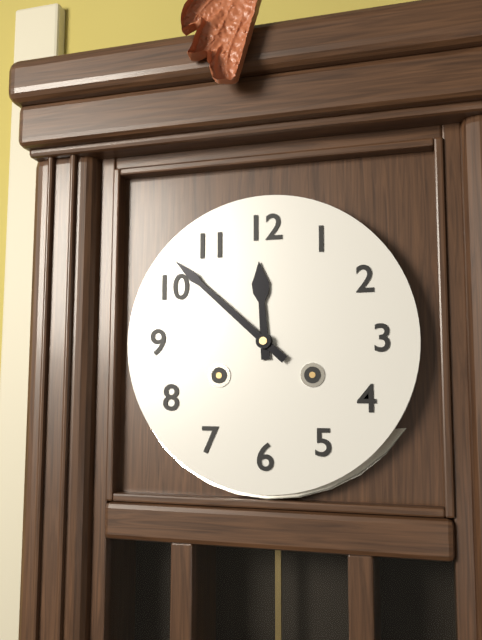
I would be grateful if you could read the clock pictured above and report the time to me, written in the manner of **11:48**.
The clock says **11:52**
